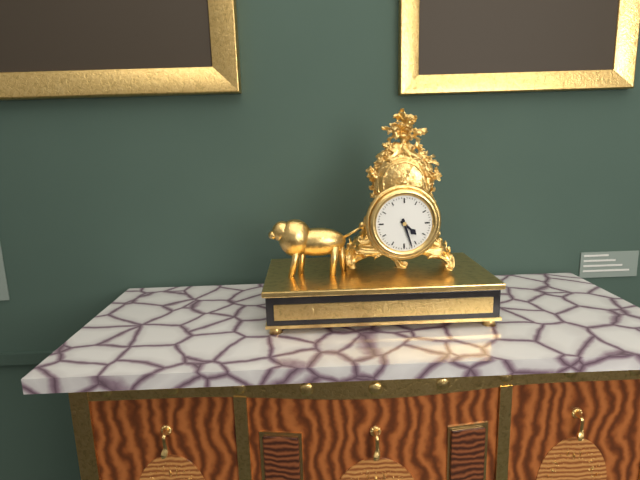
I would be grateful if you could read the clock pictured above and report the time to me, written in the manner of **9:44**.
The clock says **4:27**
